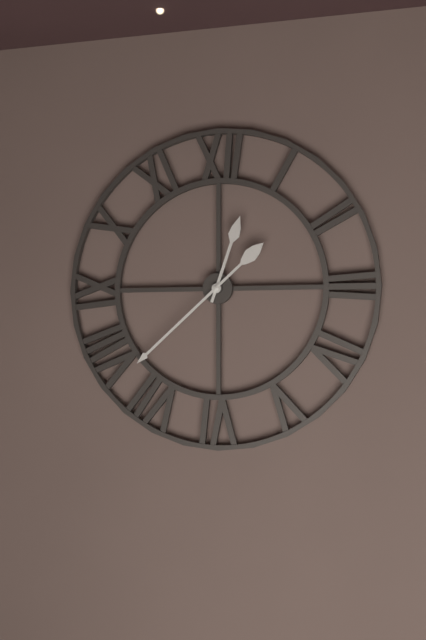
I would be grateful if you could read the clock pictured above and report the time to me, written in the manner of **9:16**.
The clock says **12:38**
